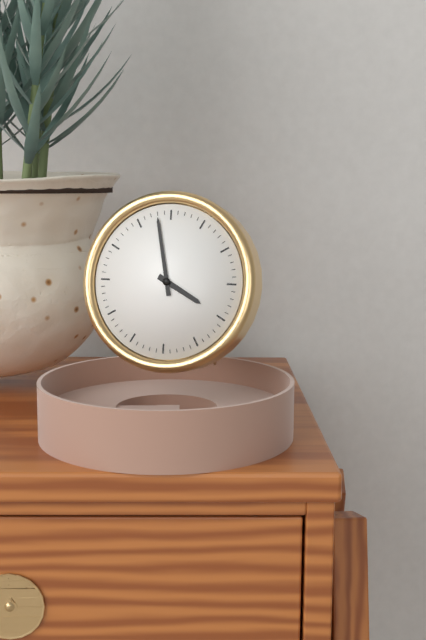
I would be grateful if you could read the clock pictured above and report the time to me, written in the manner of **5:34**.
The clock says **3:58**
